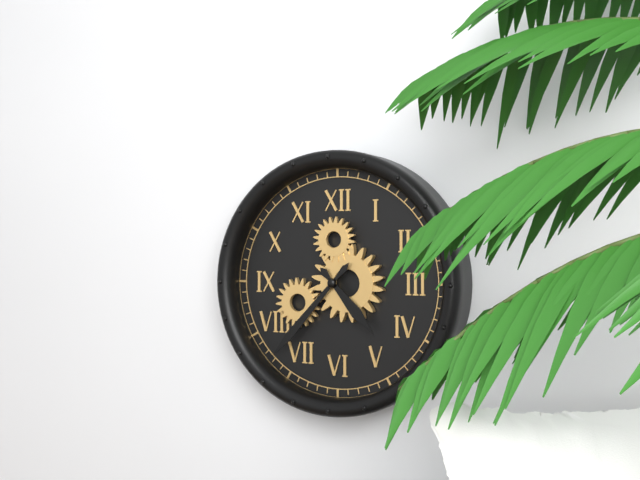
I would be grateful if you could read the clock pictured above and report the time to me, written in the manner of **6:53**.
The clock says **4:37**
